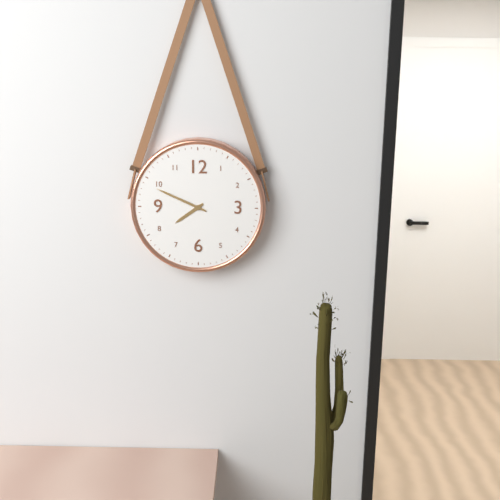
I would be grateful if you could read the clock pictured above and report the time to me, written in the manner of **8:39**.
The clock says **7:49**
